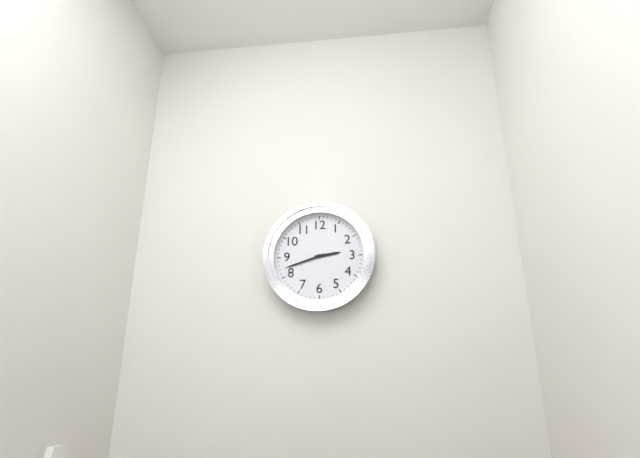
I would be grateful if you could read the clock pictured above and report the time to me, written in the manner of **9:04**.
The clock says **2:42**
